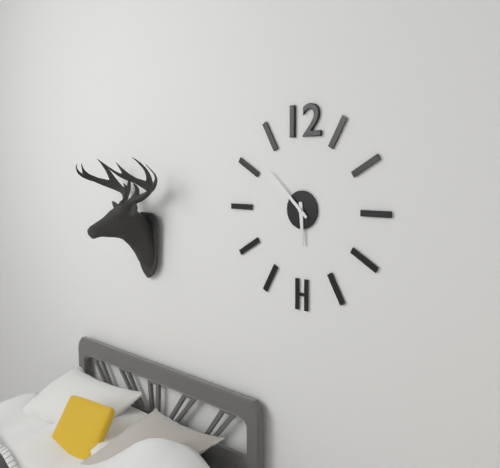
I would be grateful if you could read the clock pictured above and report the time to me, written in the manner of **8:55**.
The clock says **5:52**
